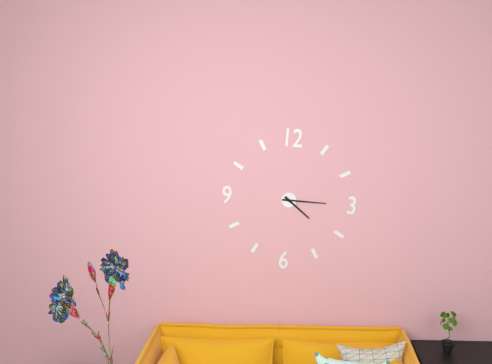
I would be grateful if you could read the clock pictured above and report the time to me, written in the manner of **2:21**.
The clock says **4:15**
